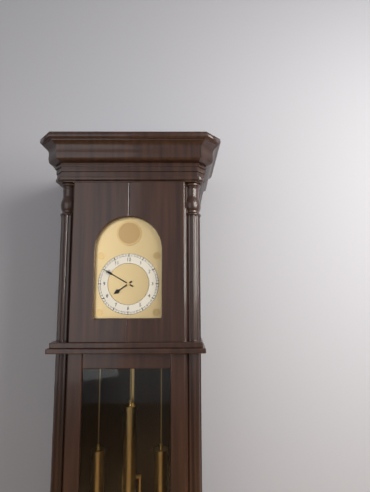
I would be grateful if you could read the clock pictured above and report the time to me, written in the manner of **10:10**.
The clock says **7:50**
